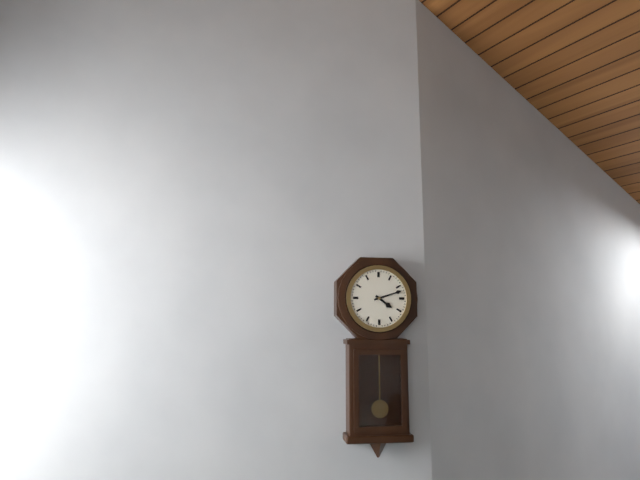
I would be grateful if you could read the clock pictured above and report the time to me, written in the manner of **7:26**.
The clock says **4:12**
